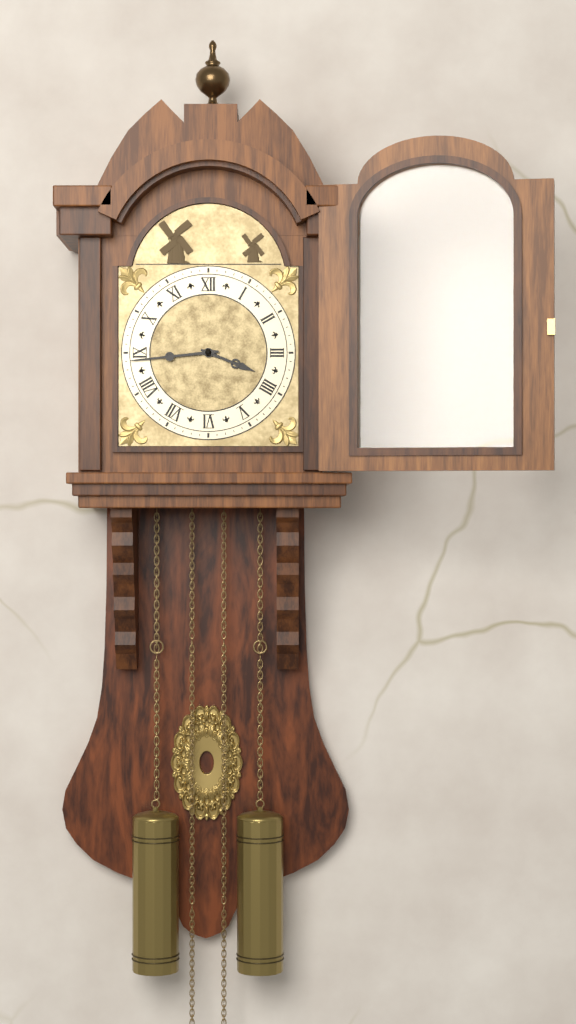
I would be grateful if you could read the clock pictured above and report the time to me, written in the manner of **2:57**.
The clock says **3:44**
